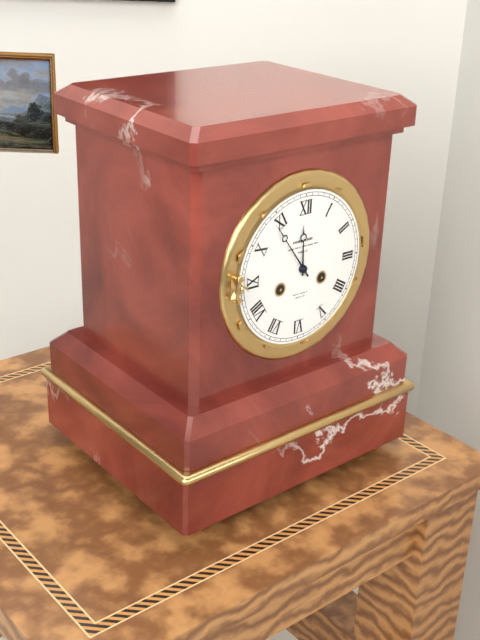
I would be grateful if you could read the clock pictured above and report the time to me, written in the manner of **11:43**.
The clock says **11:54**
